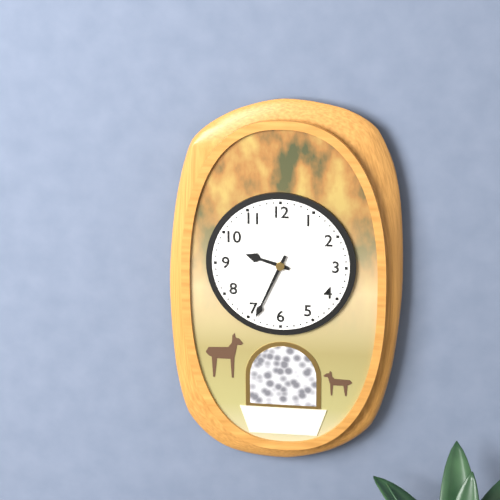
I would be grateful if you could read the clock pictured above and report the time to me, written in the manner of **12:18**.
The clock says **9:34**
